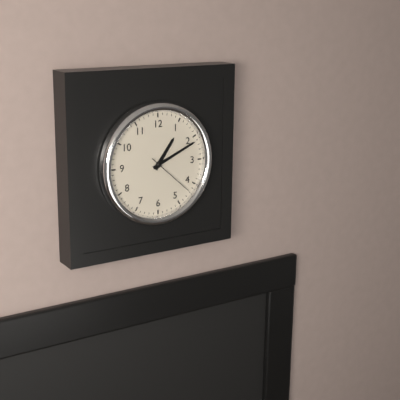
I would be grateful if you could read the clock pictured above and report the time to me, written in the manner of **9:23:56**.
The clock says **1:11:22**
